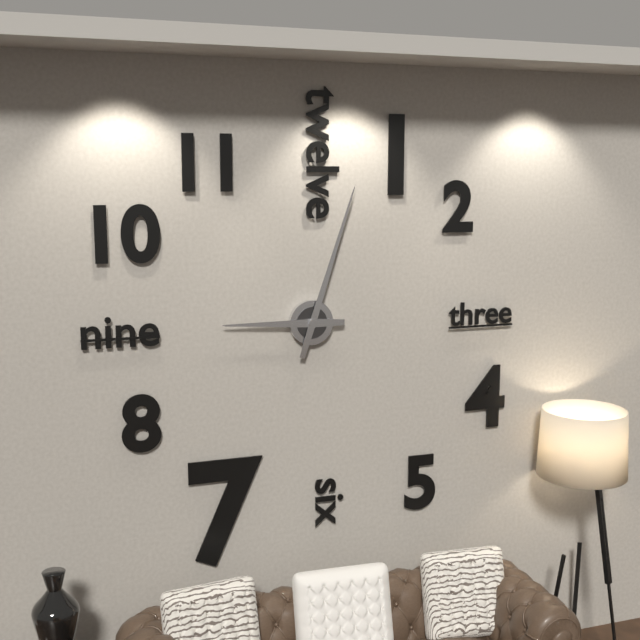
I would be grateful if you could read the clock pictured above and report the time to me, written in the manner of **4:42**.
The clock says **9:03**
